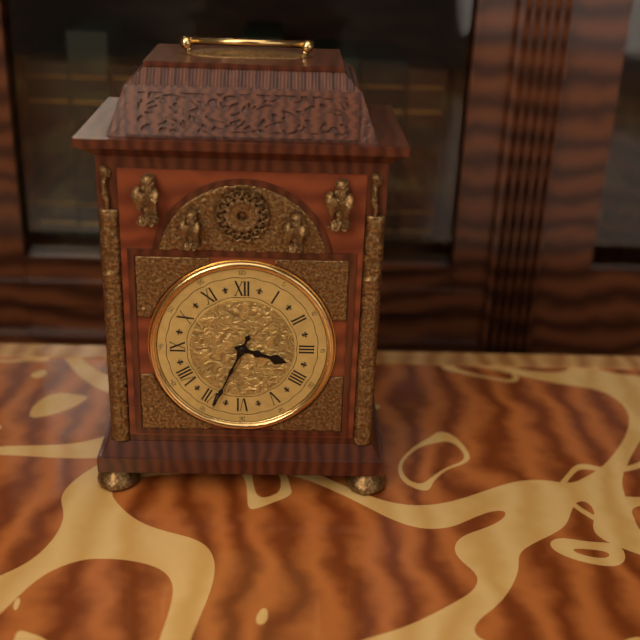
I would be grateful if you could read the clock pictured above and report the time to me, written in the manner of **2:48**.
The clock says **3:34**
